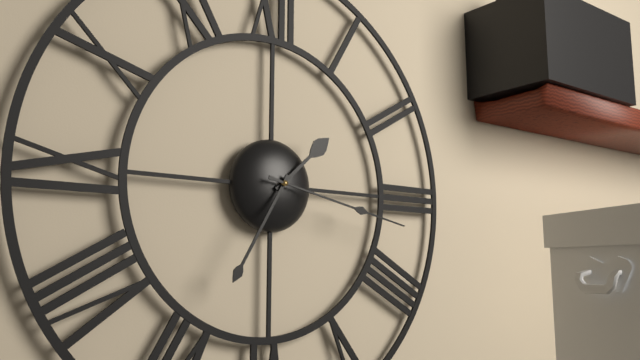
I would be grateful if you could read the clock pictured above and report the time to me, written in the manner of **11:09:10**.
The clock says **1:35:17**
